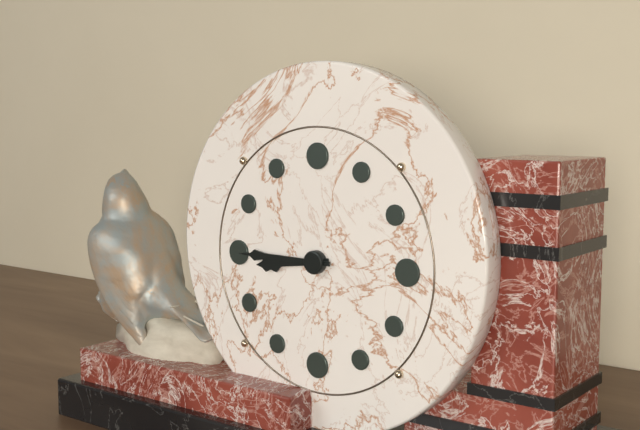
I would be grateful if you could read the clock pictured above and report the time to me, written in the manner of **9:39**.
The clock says **8:45**
